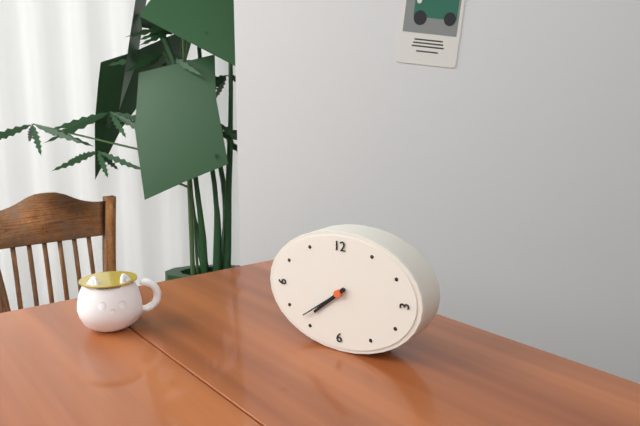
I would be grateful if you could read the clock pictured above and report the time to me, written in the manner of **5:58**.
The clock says **7:39**
